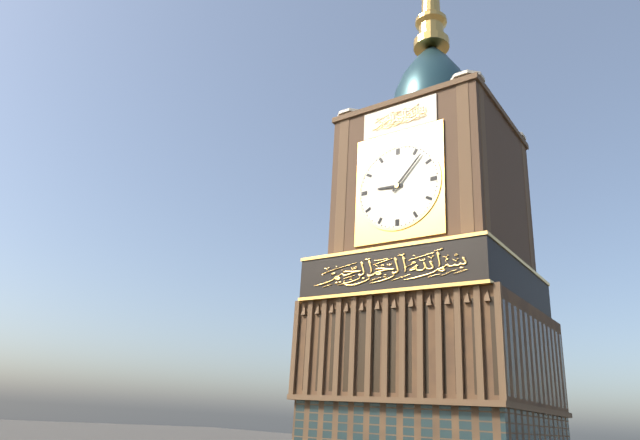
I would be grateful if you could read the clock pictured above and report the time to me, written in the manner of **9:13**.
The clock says **9:07**
